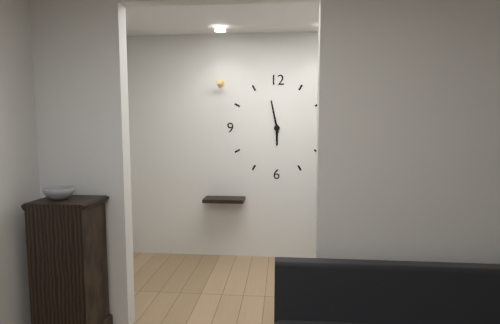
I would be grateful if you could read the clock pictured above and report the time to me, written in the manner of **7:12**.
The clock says **5:58**
